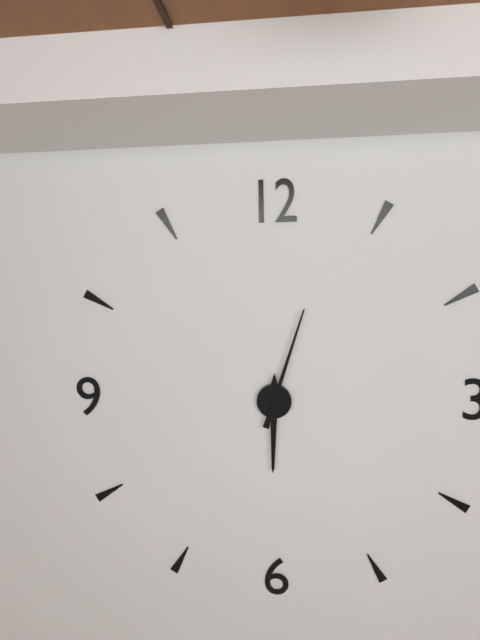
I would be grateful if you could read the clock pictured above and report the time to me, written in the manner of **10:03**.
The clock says **6:03**
